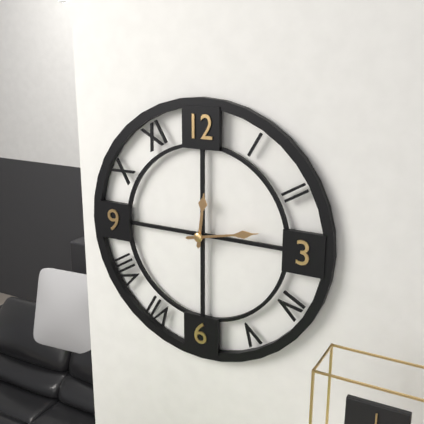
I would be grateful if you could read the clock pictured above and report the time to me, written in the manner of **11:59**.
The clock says **12:13**
